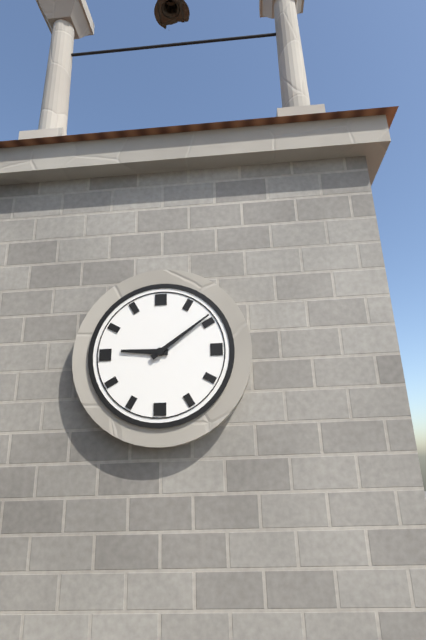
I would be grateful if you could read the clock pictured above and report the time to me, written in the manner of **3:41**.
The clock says **9:09**
